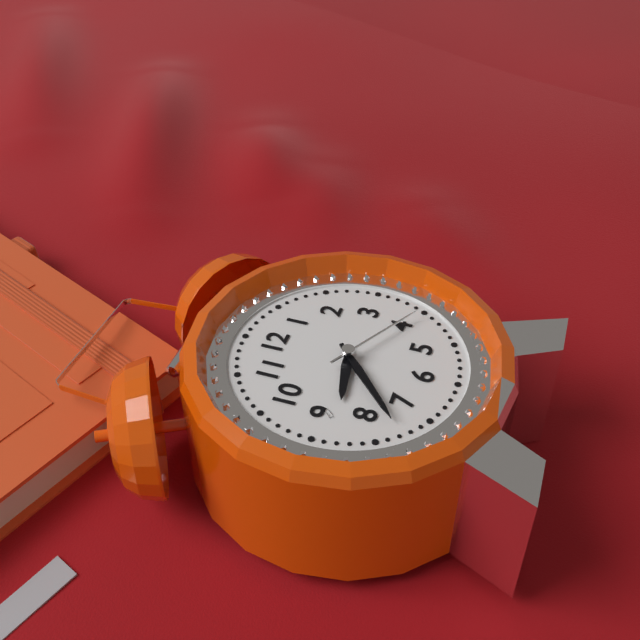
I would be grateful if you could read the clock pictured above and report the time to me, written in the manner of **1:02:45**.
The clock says **8:38:20**
